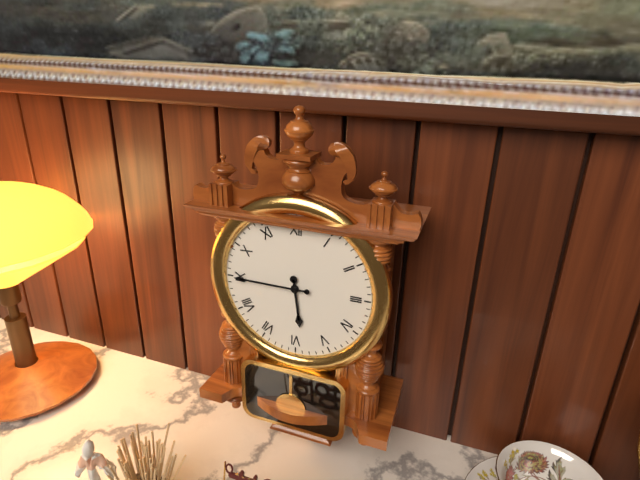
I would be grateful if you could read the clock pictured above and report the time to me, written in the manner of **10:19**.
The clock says **5:45**
